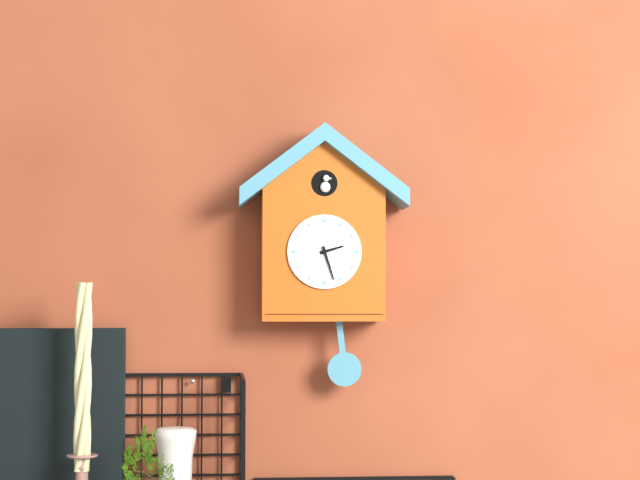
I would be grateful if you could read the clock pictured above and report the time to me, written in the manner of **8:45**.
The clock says **2:27**
